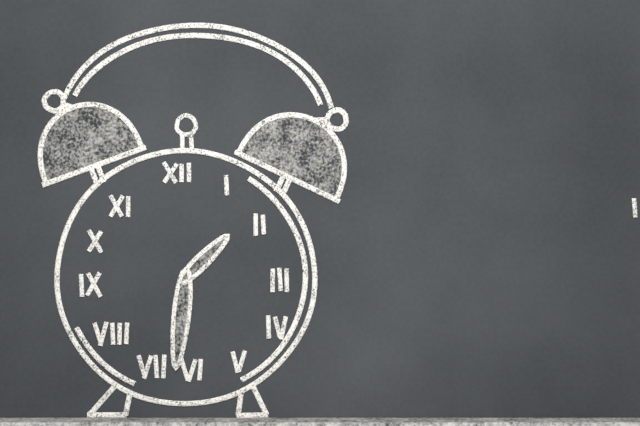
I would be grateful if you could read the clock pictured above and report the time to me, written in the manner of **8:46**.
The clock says **1:31**
